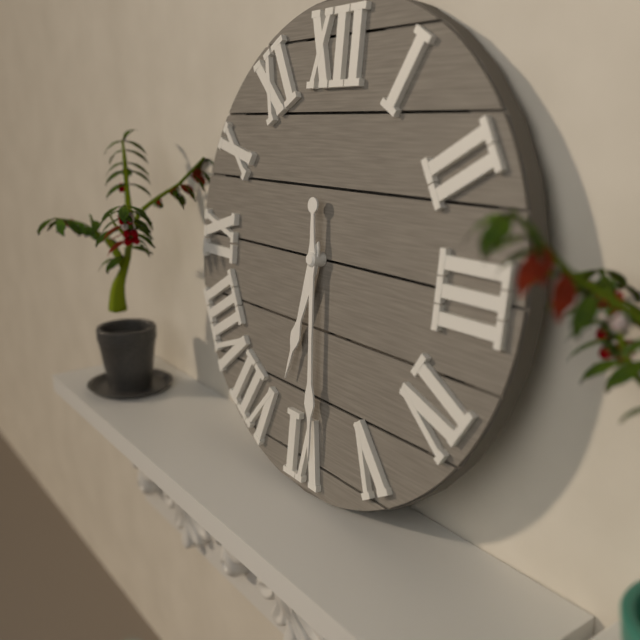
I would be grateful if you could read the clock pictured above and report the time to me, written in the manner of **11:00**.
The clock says **6:29**
